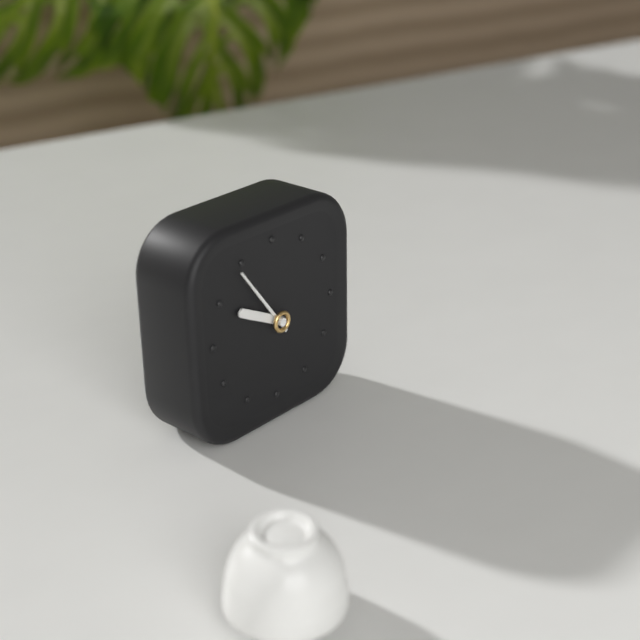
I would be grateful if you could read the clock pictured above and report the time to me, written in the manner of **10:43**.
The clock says **9:54**
